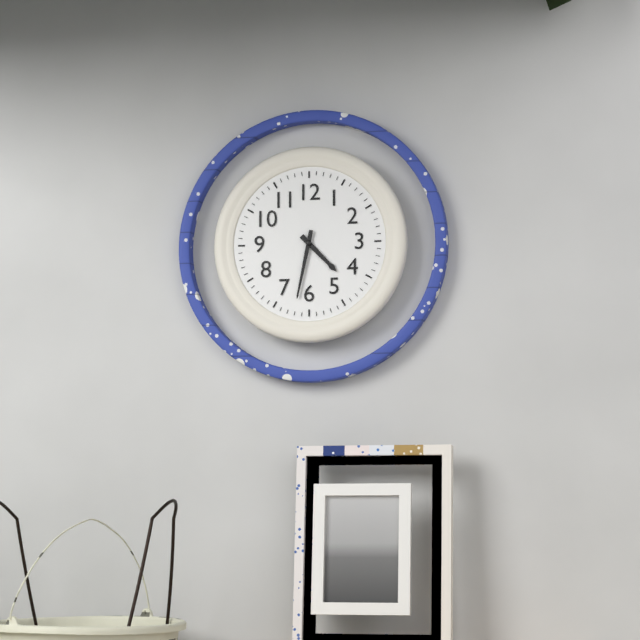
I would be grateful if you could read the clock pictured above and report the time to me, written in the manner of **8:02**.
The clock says **4:32**
